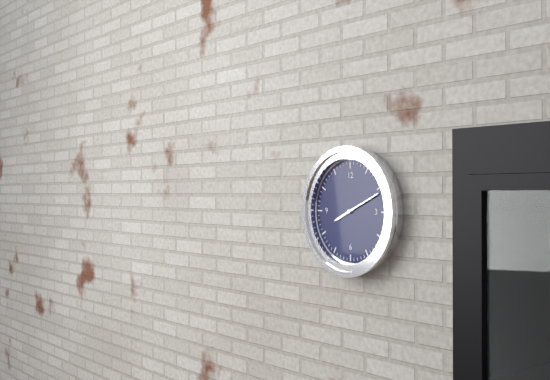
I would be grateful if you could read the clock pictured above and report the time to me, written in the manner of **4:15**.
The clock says **8:11**
